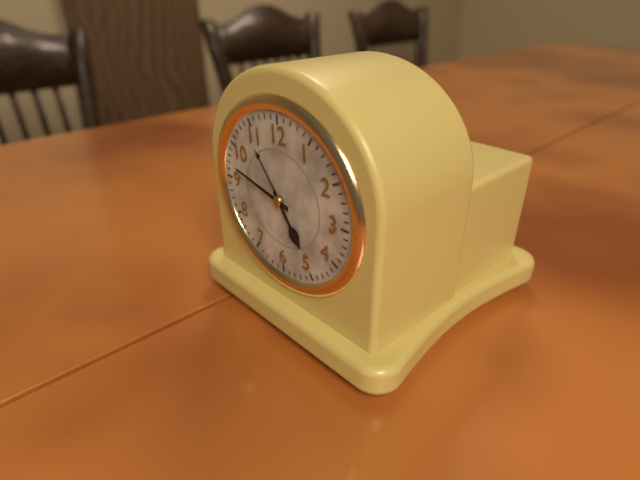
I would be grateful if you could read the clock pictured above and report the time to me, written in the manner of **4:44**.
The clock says **4:47**
